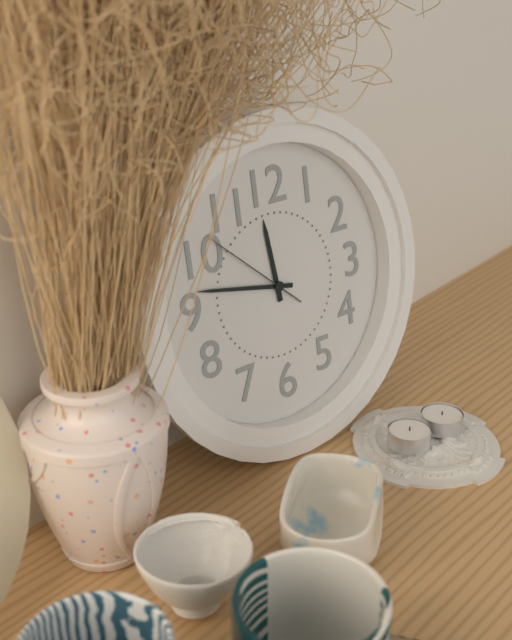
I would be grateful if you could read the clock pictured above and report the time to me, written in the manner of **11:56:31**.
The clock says **11:47:52**
